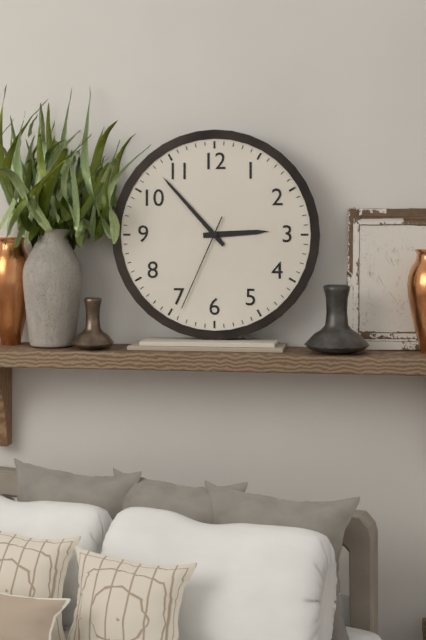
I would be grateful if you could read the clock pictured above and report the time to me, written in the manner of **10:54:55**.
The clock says **2:53:34**
